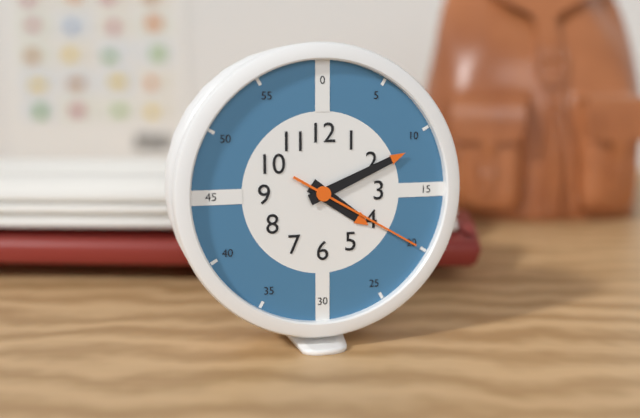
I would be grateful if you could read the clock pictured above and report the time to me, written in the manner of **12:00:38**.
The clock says **4:11:20**
